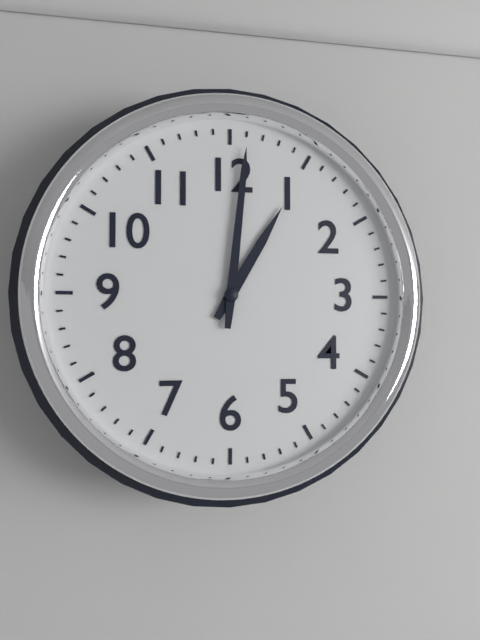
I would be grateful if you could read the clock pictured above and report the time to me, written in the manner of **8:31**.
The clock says **1:01**
